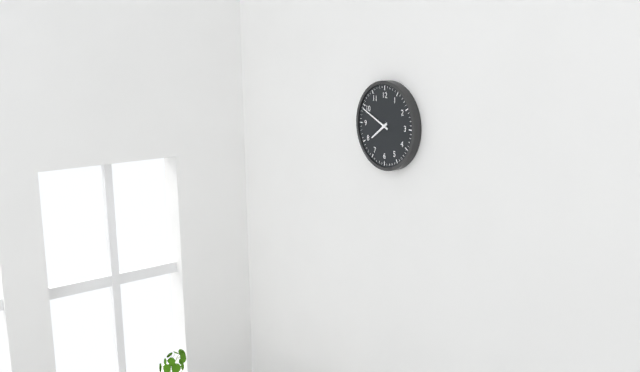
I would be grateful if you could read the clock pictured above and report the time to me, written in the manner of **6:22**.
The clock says **7:49**
